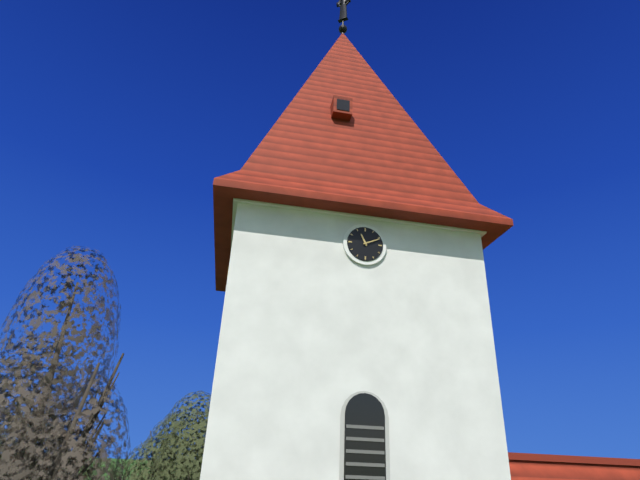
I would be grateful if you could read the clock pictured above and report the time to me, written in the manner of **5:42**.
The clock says **11:11**
